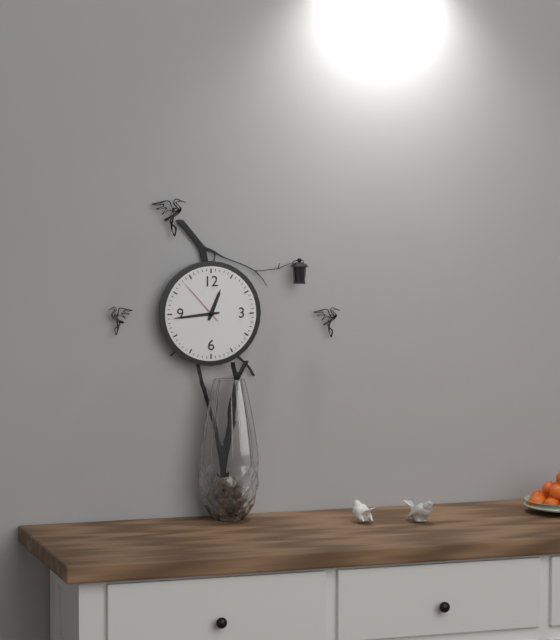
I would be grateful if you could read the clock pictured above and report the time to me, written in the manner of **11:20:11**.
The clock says **12:44:53**
